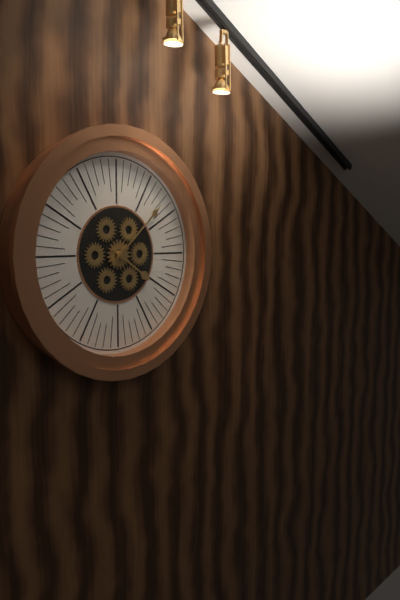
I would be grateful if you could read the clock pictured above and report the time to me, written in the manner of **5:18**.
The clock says **4:08**
